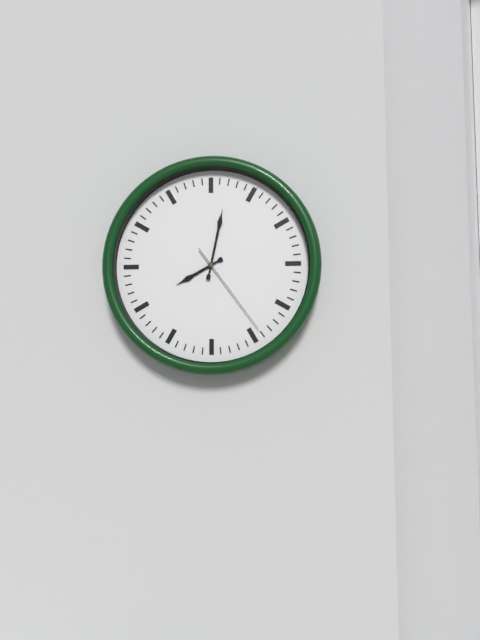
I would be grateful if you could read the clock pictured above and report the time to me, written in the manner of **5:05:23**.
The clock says **8:02:24**
